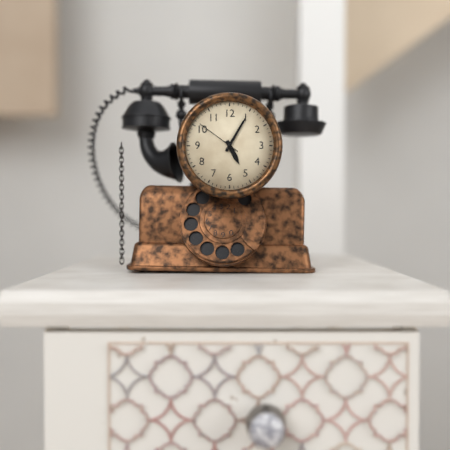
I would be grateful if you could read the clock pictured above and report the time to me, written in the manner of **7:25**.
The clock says **5:05**
